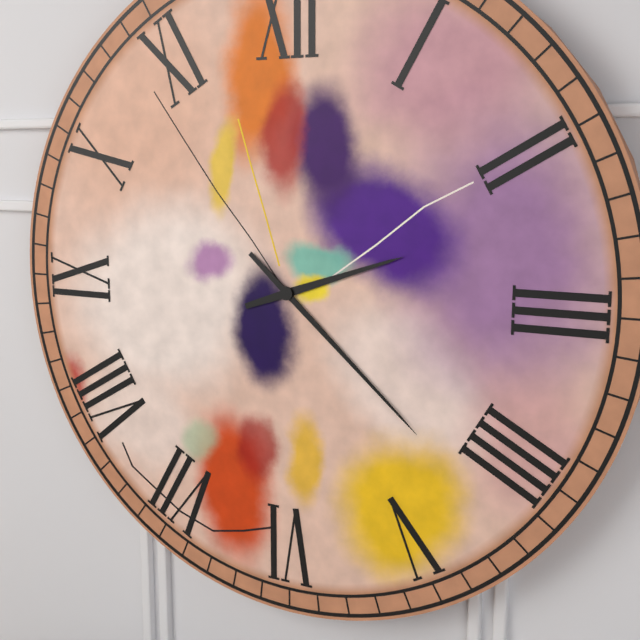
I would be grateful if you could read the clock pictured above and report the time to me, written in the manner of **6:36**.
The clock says **2:22**
